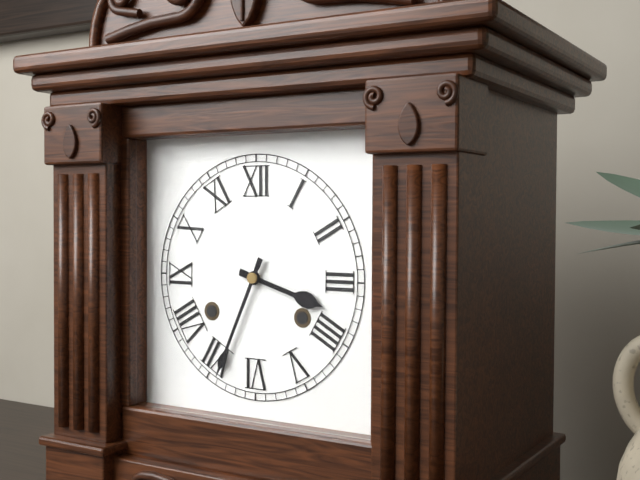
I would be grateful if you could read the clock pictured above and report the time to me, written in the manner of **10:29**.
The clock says **3:34**
